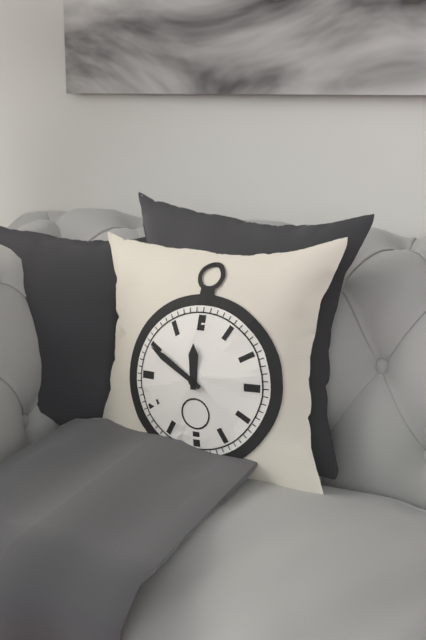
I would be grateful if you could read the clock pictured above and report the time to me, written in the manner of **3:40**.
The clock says **11:50**
